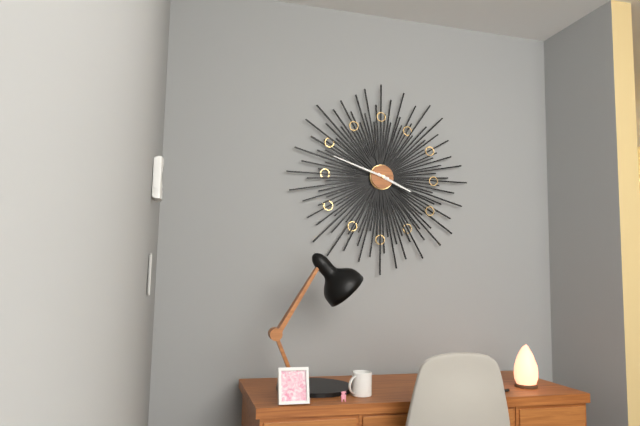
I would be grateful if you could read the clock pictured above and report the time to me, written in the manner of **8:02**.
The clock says **3:48**
